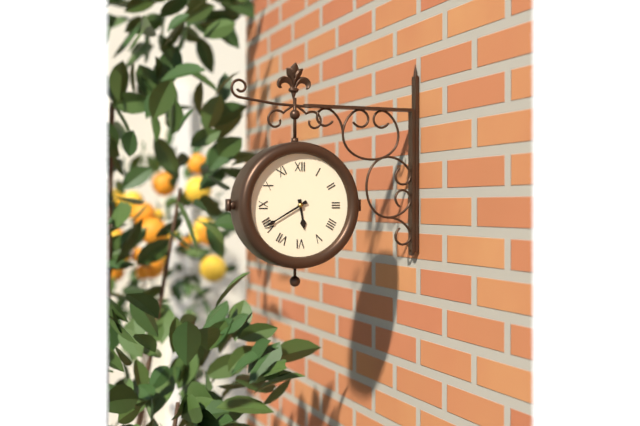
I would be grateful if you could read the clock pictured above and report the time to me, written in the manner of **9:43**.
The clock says **5:40**
